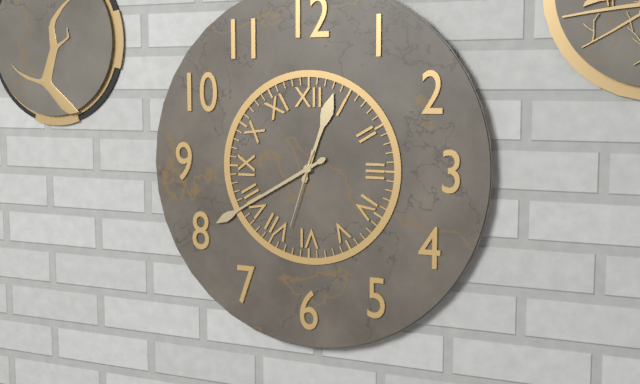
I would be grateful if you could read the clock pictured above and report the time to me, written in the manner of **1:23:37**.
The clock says **12:40:33**
